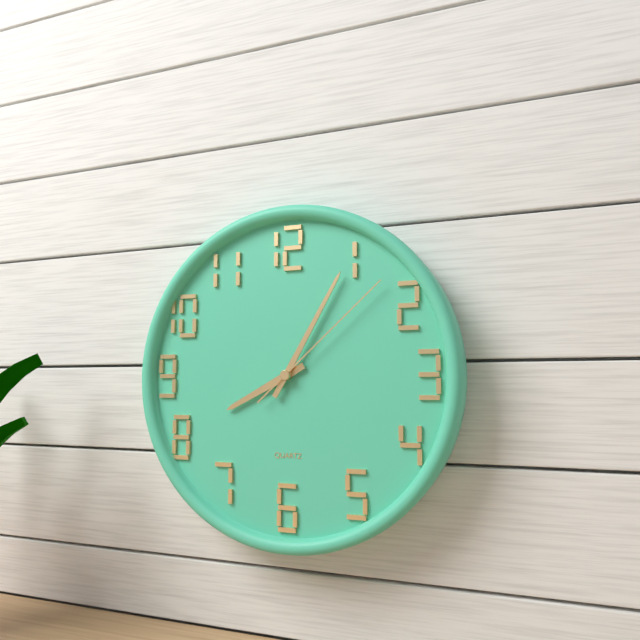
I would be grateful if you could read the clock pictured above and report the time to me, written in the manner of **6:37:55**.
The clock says **8:05:08**
